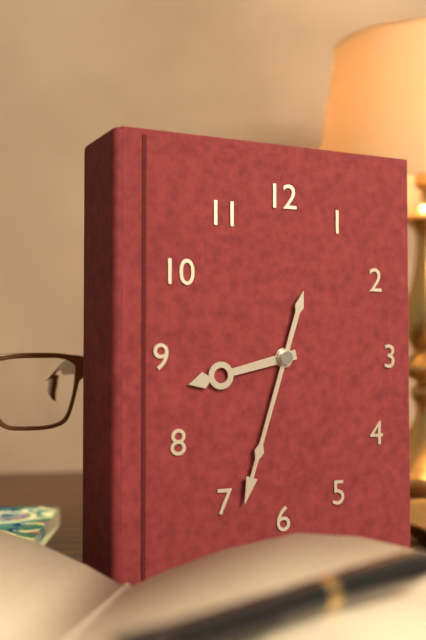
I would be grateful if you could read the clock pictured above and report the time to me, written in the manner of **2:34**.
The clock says **8:33**
